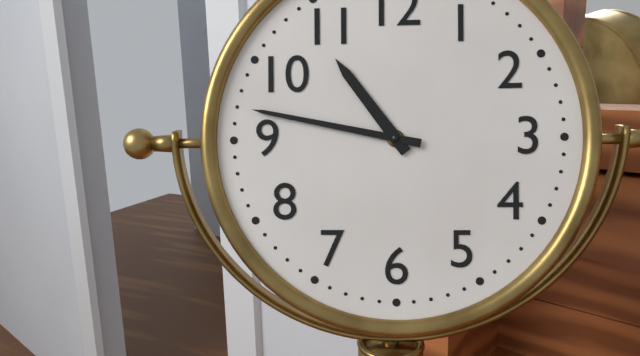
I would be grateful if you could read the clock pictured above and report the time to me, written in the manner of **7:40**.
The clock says **10:47**
